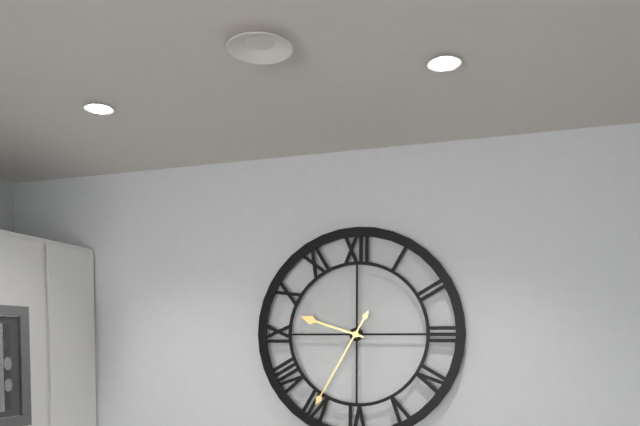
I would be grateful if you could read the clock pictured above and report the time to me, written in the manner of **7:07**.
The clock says **9:35**
